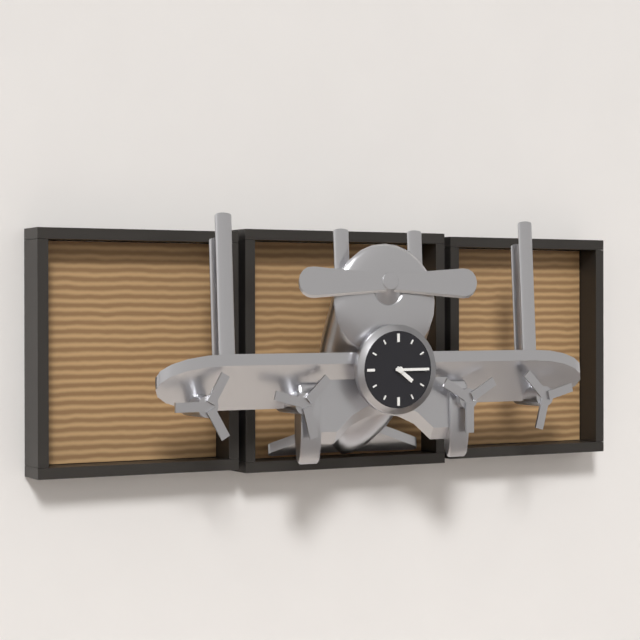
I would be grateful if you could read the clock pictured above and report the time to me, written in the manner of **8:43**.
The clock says **4:15**
